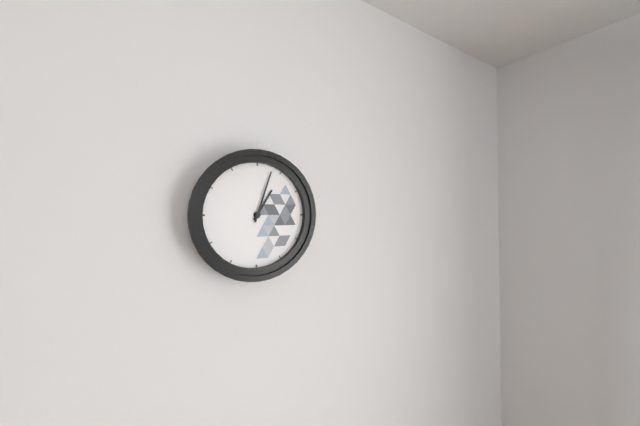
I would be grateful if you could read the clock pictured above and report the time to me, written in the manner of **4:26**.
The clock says **1:03**
